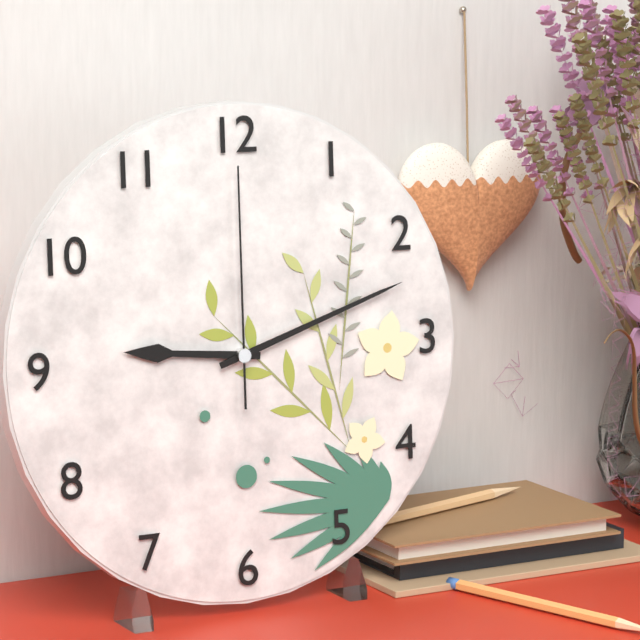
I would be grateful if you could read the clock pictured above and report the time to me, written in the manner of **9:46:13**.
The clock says **9:12:00**
